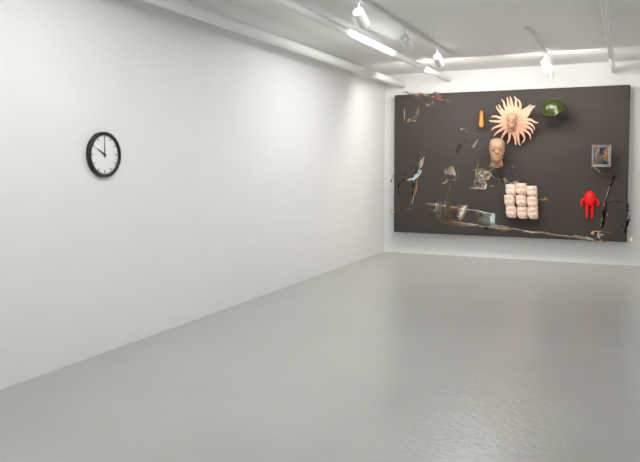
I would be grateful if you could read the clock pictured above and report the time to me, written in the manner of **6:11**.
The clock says **10:00**
